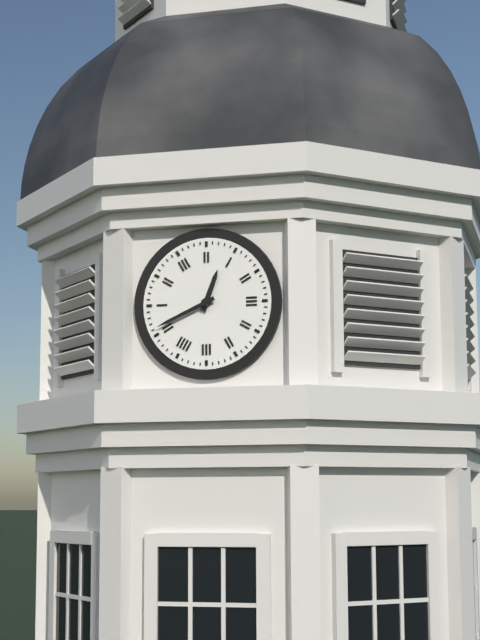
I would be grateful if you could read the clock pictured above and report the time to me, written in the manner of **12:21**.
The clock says **12:41**
